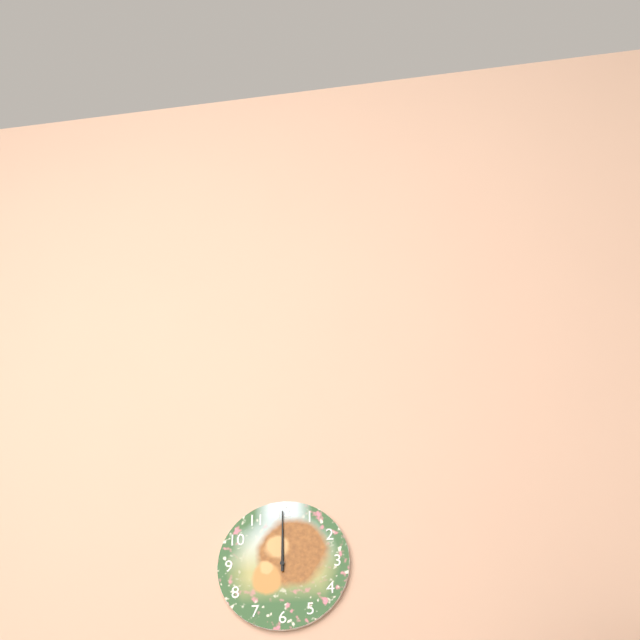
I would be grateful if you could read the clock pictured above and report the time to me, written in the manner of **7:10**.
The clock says **12:00**
